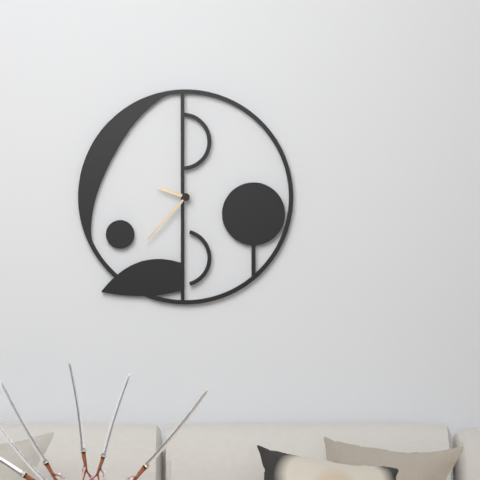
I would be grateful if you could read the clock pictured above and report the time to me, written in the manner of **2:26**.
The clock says **9:37**
